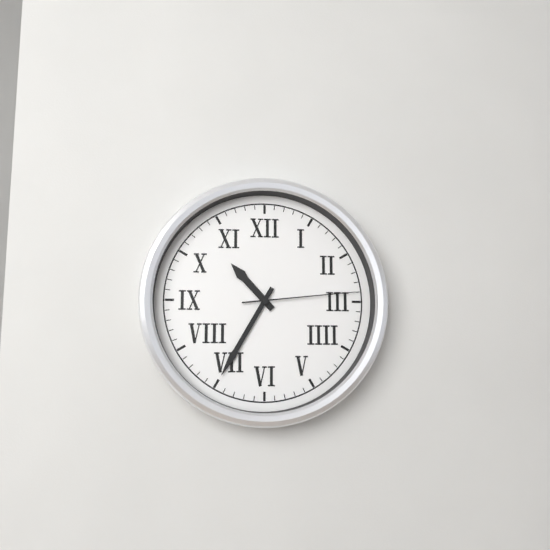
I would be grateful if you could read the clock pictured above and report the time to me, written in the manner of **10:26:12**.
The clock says **10:35:14**
